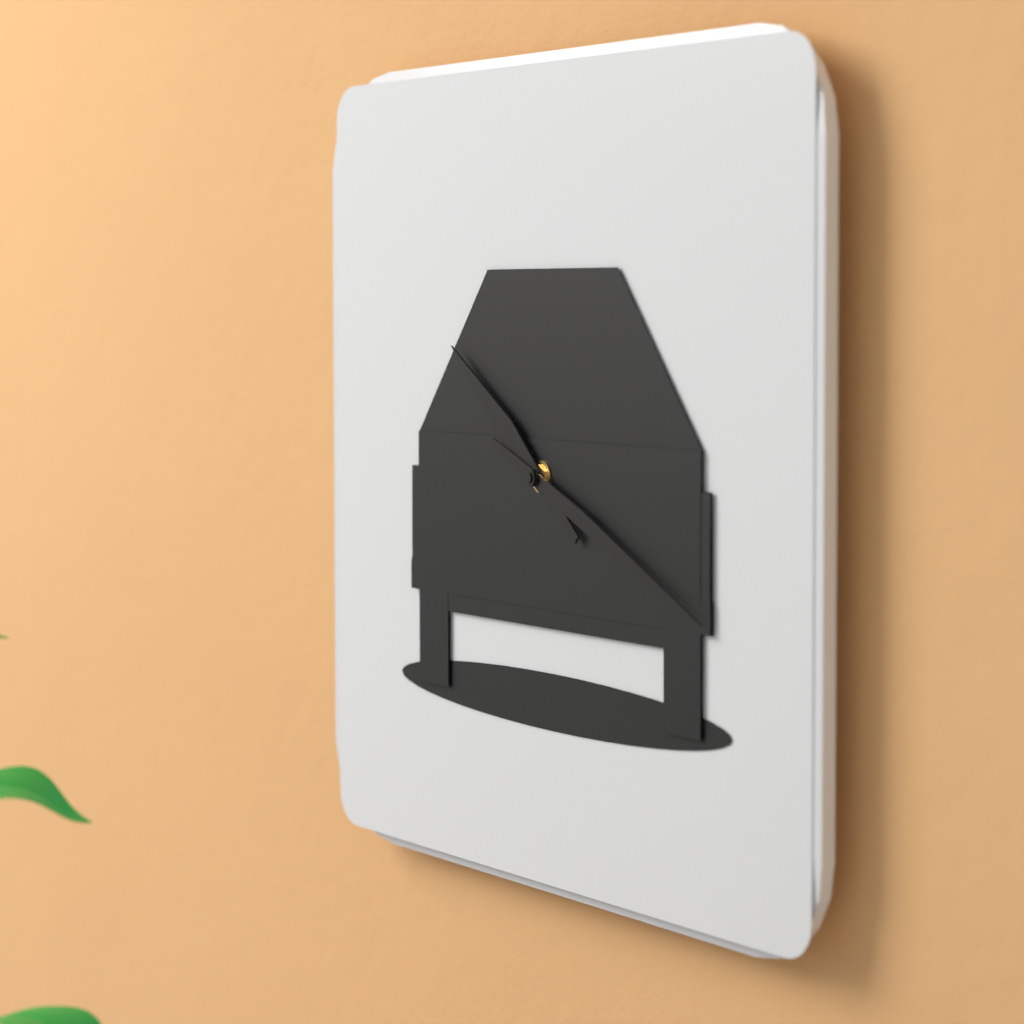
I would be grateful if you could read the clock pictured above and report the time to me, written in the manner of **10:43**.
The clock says **10:19**
